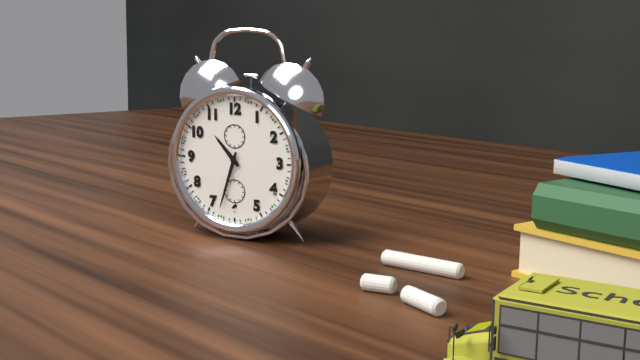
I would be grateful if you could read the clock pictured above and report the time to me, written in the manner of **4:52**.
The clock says **10:33**
